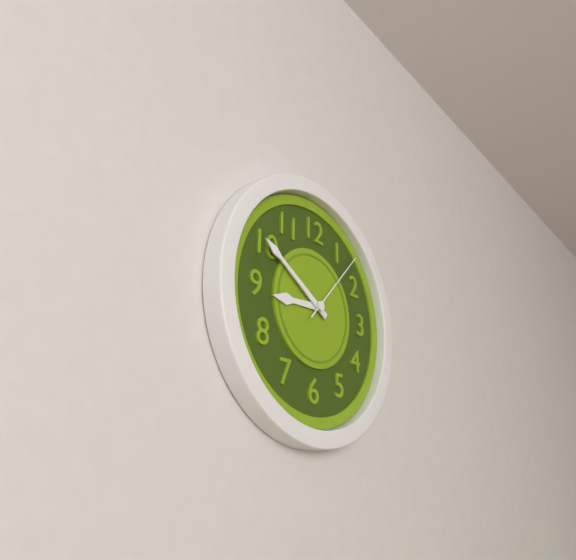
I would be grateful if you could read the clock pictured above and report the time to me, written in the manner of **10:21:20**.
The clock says **8:50:07**
